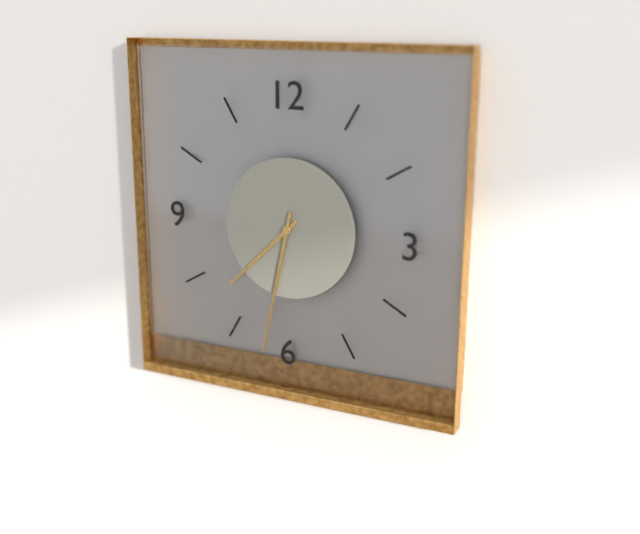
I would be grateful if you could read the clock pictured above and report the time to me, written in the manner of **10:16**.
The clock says **7:32**
